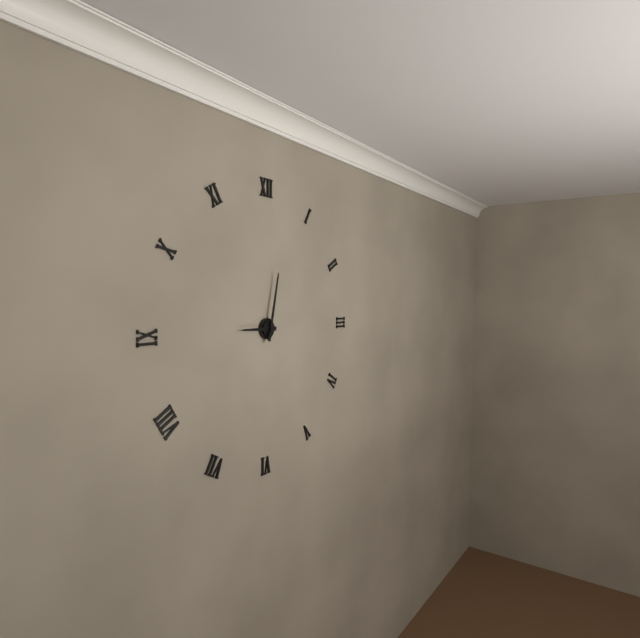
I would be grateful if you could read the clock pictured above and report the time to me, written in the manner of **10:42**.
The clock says **9:02**
